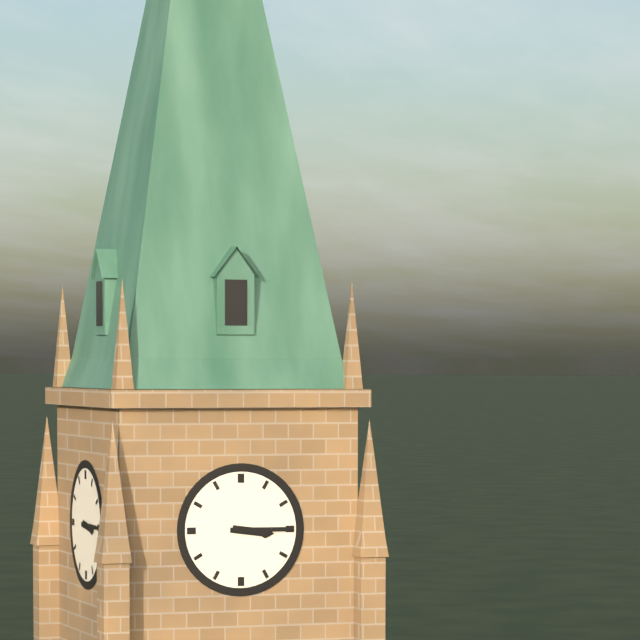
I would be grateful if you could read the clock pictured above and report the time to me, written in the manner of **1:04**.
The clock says **3:15**
